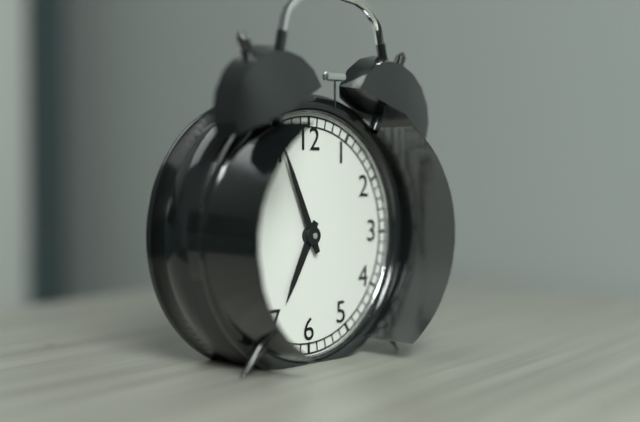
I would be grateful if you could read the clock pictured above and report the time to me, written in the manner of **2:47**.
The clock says **6:56**
